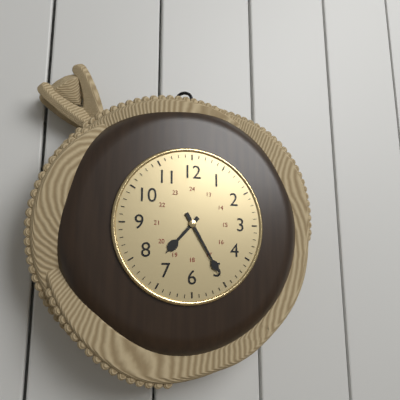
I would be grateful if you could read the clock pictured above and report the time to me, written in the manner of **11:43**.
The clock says **7:25**
